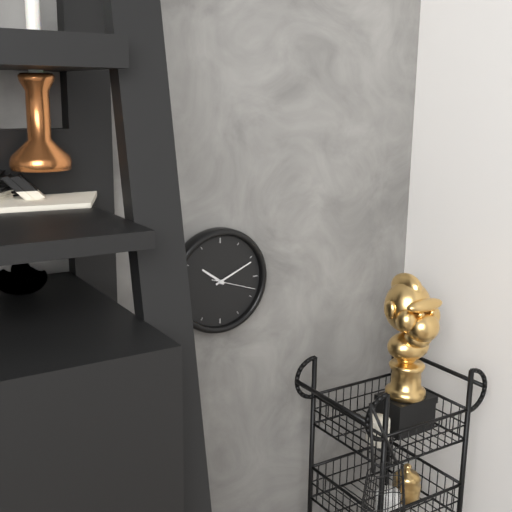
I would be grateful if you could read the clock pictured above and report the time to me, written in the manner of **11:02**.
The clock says **10:11**
